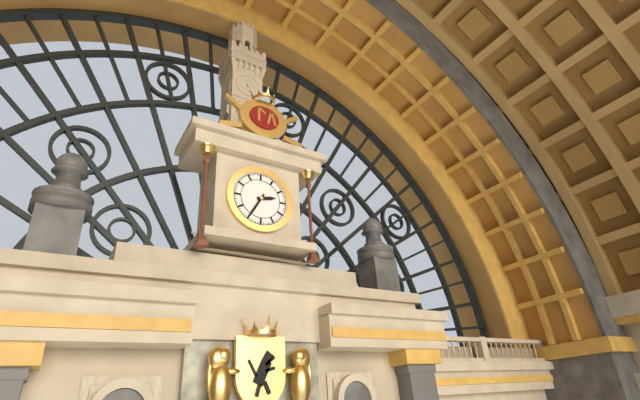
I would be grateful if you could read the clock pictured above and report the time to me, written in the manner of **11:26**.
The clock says **2:35**
